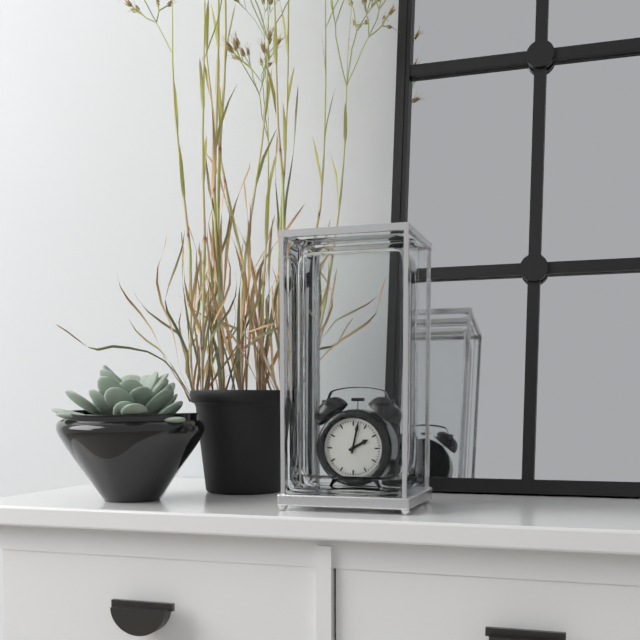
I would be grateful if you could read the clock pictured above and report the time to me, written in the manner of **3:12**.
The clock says **2:02**
